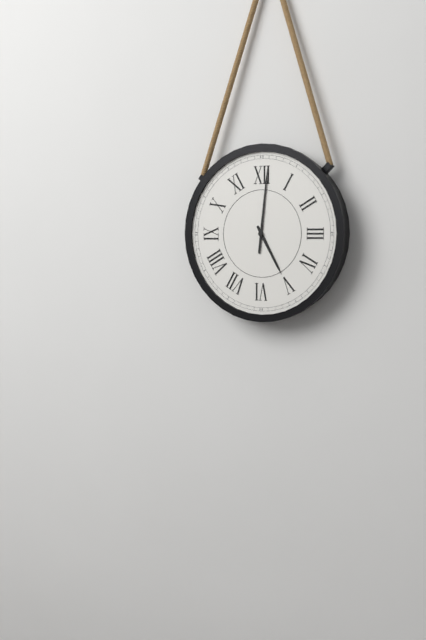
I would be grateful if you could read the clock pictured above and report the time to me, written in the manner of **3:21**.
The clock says **5:01**
